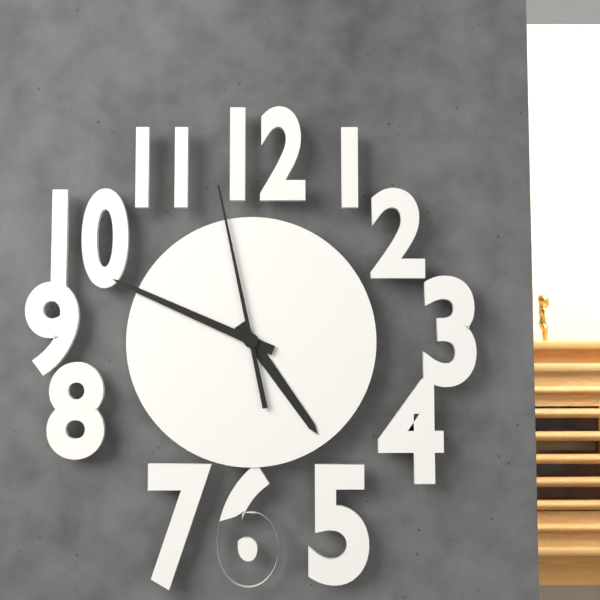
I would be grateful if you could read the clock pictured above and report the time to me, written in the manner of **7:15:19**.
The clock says **4:49:58**
